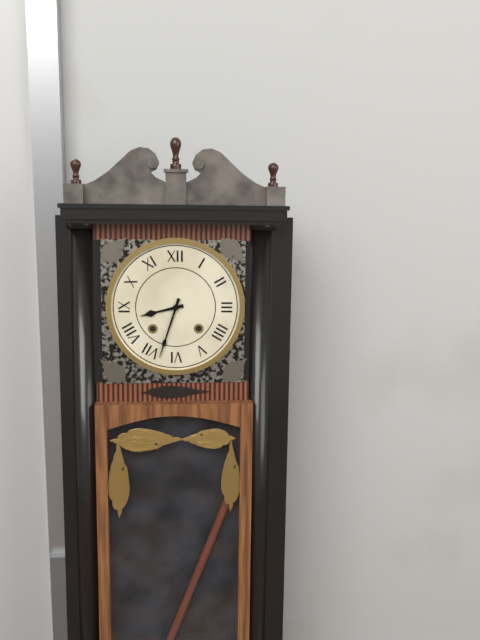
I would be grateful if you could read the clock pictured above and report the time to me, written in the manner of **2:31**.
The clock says **8:33**
